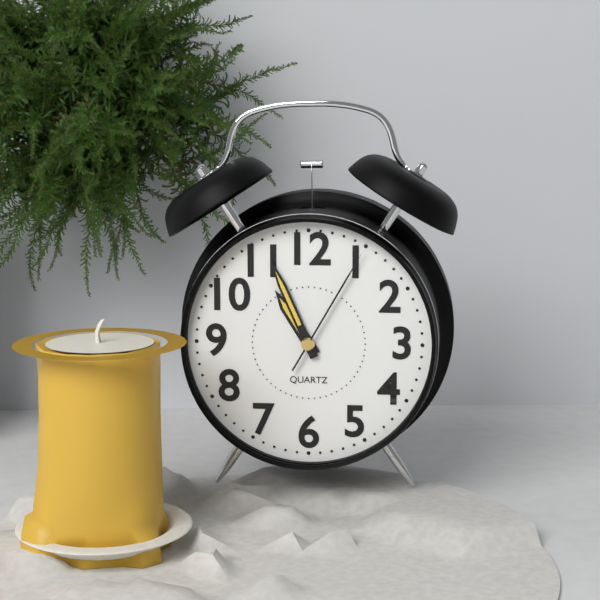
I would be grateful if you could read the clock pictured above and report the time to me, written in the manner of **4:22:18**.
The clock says **10:56:05**
